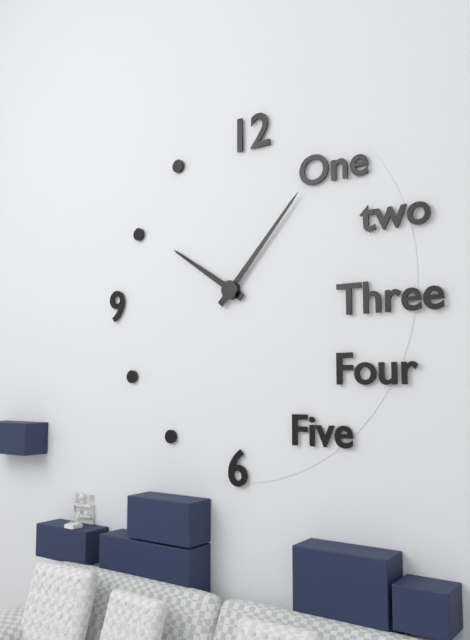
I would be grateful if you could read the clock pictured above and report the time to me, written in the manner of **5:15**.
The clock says **10:07**
